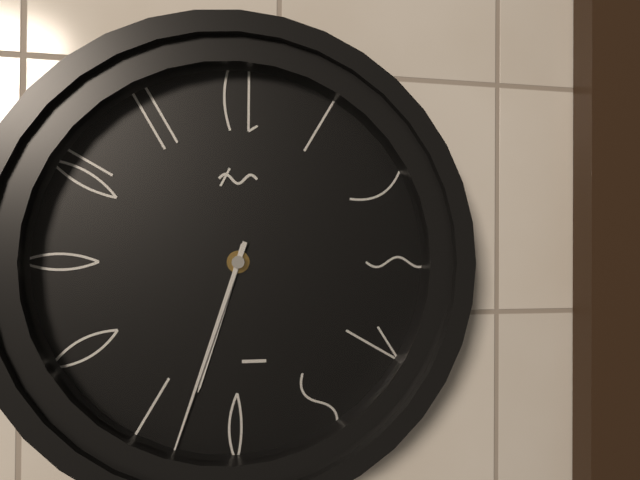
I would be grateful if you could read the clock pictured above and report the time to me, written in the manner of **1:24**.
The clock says **6:33**
